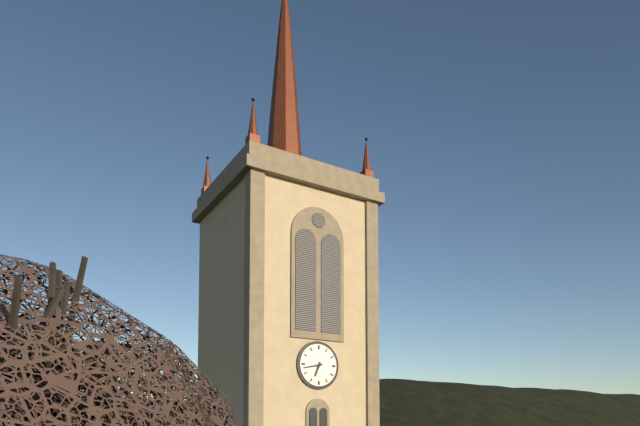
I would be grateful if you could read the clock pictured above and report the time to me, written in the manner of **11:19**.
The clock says **6:43**
